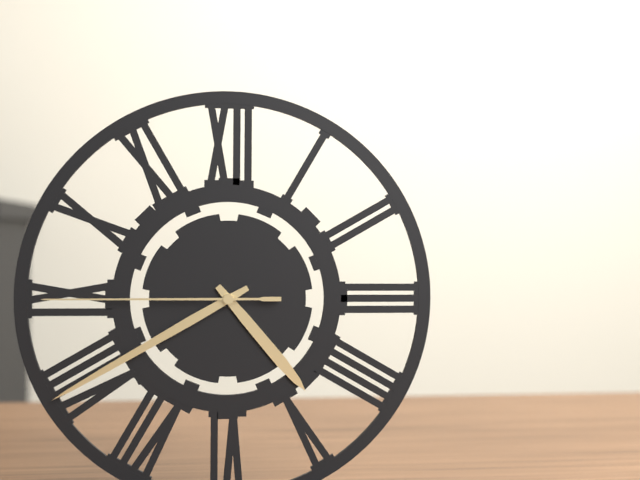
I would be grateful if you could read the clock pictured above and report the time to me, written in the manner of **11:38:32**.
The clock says **4:40:45**
